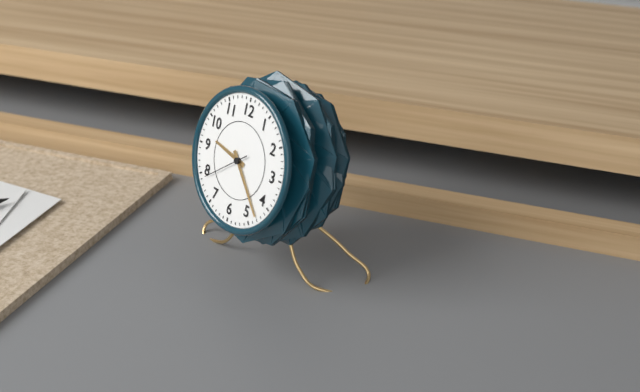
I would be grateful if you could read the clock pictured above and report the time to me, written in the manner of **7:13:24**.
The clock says **9:23:39**
